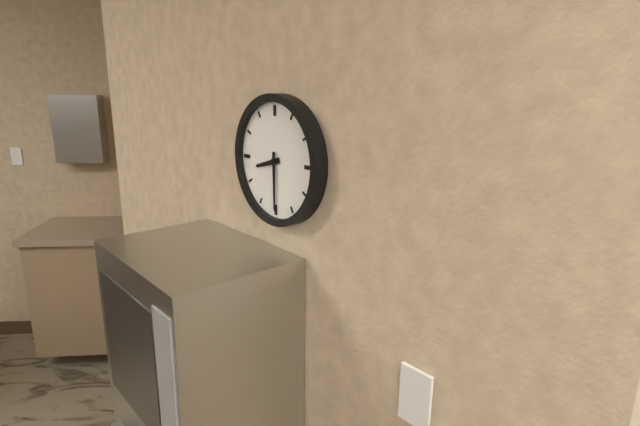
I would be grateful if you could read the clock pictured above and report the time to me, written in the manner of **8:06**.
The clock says **8:30**
